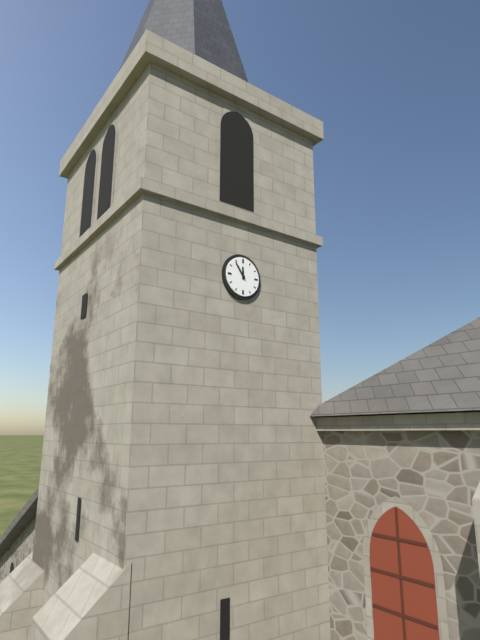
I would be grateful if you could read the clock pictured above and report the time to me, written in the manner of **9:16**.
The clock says **11:54**
